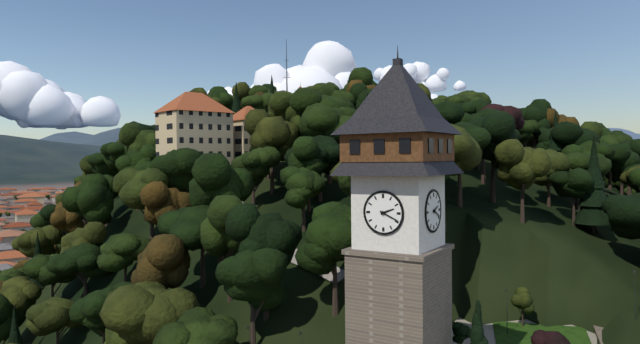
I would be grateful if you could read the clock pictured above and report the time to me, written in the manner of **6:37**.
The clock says **2:19**
